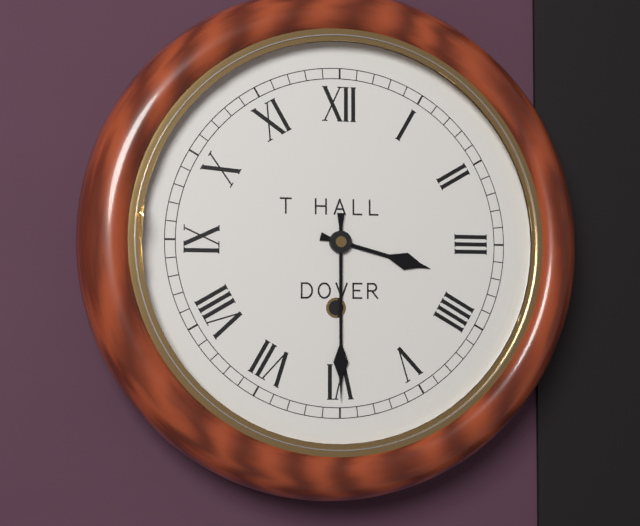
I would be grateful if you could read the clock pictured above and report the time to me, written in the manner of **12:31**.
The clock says **3:30**
